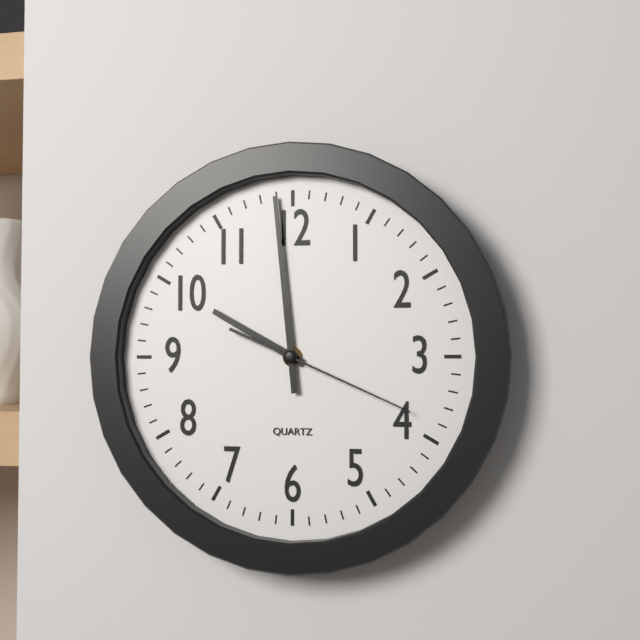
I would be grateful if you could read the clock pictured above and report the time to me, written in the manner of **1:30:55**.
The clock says **9:59:19**
